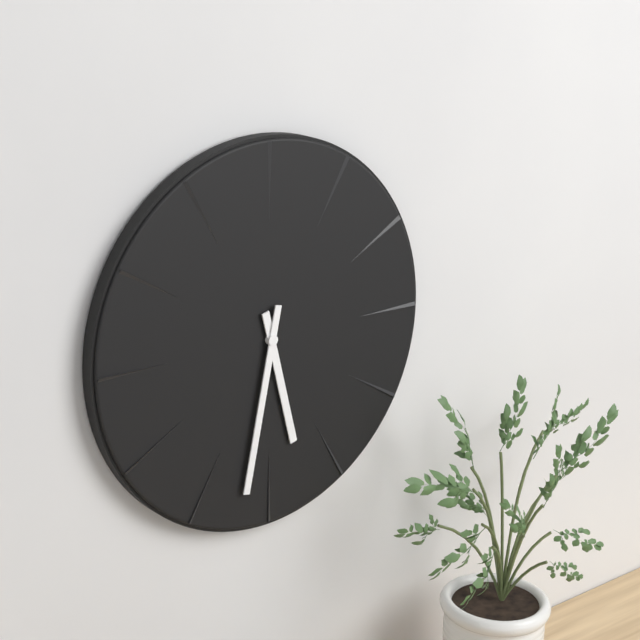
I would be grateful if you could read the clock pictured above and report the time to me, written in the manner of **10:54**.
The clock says **5:32**
